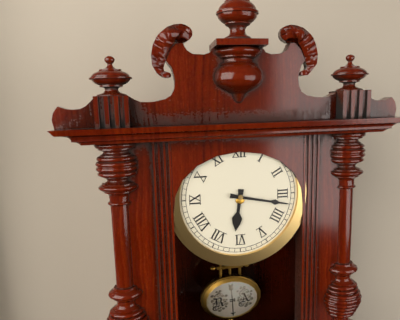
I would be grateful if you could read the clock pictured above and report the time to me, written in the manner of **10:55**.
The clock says **6:17**
